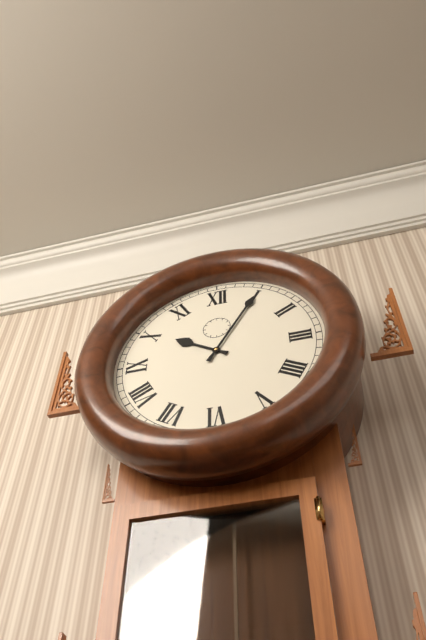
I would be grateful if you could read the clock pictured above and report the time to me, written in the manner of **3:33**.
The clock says **10:05**
